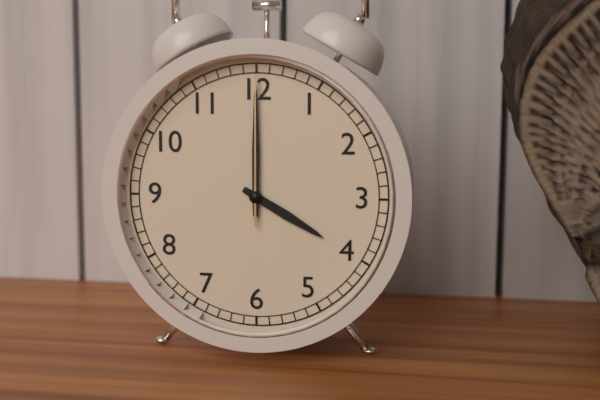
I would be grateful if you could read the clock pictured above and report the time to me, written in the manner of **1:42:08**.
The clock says **4:00:00**
